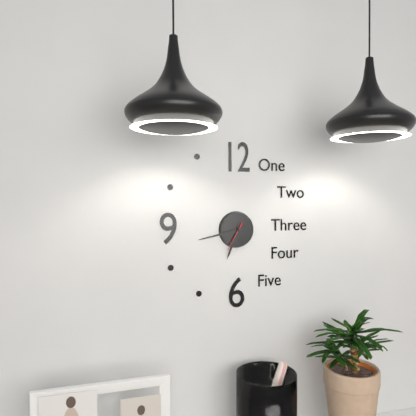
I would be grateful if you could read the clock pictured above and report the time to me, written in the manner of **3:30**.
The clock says **6:43**
